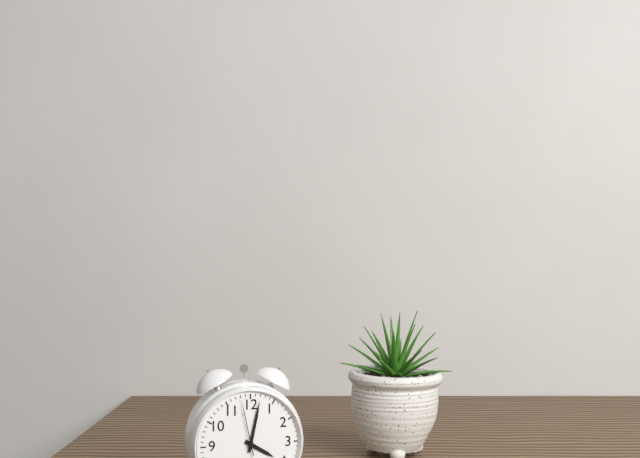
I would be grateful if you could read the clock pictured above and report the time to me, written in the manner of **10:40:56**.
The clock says **4:02:58**
